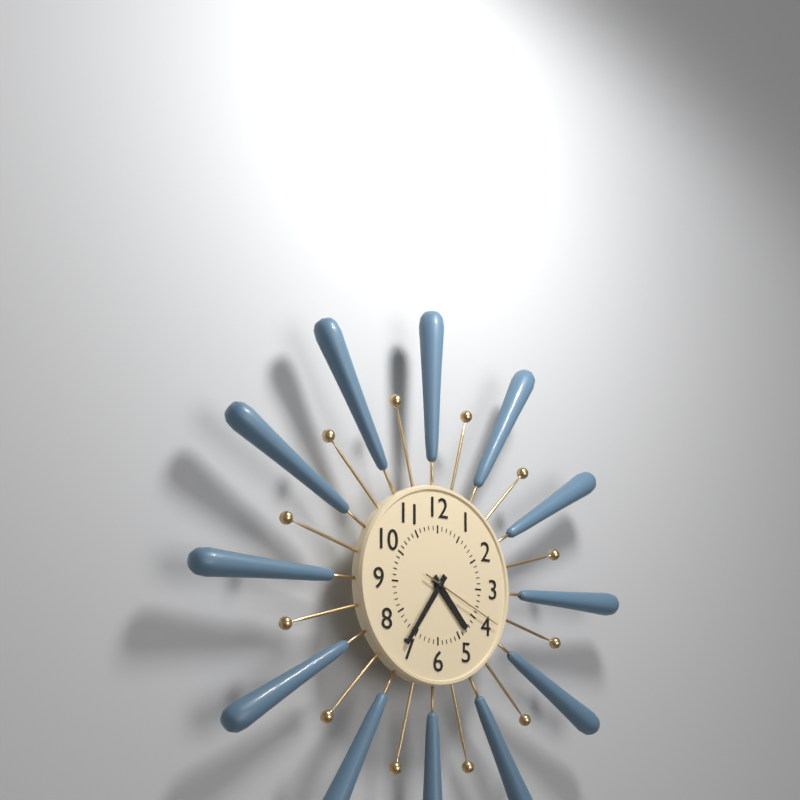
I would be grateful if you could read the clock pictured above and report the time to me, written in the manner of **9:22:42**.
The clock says **4:36:19**
